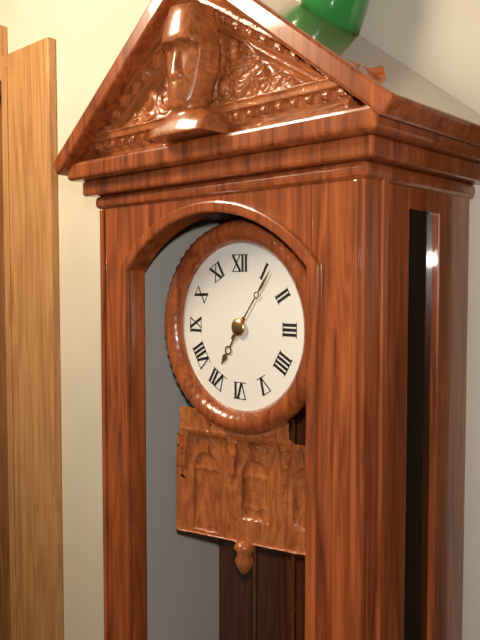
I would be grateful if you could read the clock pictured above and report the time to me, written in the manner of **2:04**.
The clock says **7:06**
